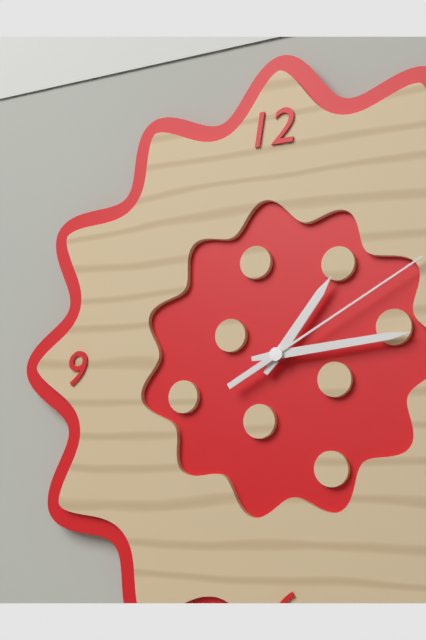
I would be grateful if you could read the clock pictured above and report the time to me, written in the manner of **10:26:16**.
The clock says **1:14:10**
